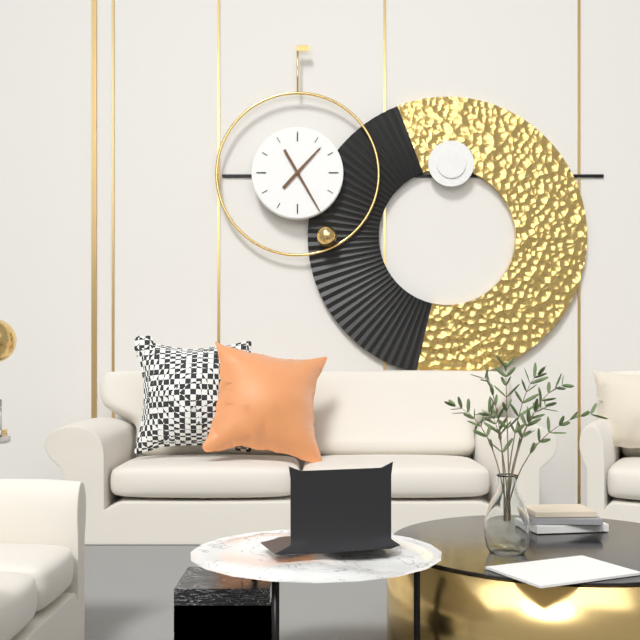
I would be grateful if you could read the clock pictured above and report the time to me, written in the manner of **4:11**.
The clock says **1:25**
